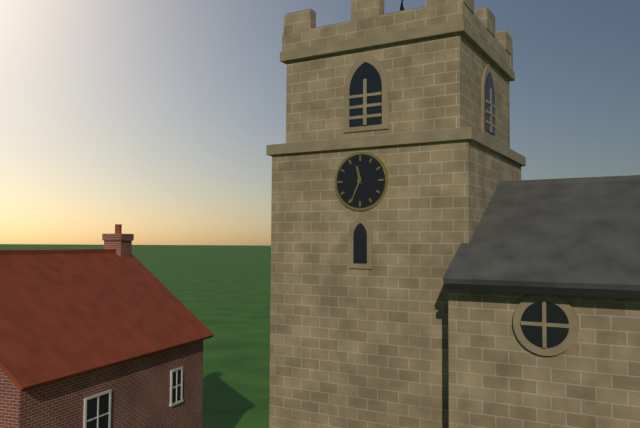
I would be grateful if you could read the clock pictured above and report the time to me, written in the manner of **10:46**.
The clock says **11:34**
